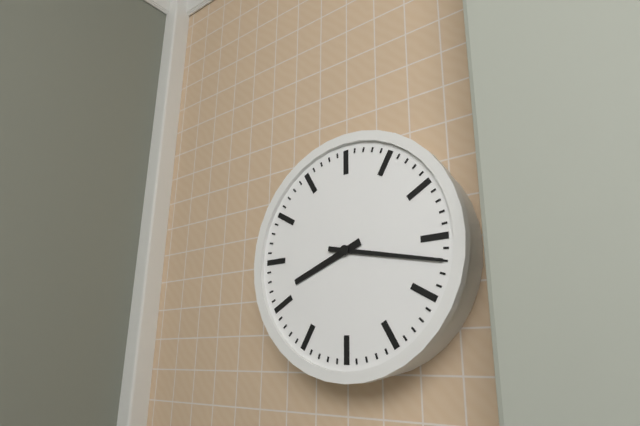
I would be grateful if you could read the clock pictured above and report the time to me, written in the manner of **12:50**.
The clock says **8:17**
